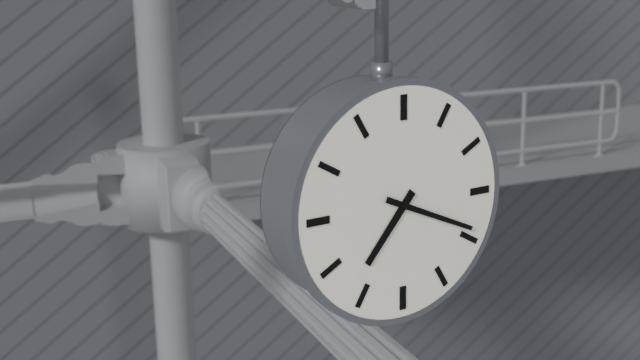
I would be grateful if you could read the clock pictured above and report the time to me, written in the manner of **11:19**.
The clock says **7:19**
